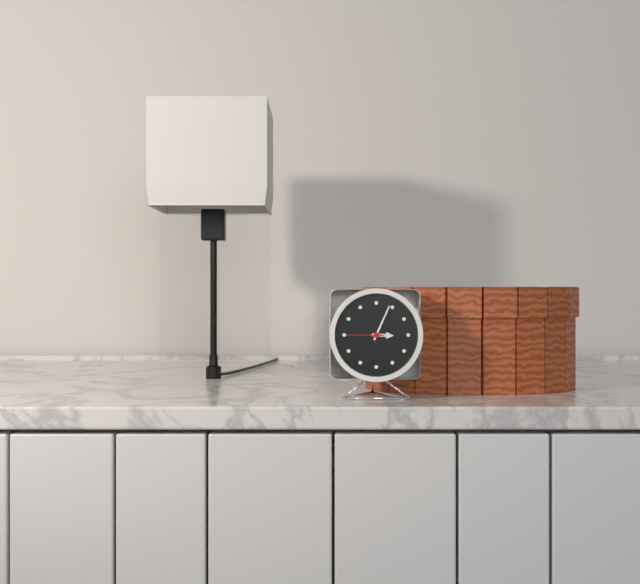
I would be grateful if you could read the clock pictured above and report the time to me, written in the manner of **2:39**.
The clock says **3:04**
